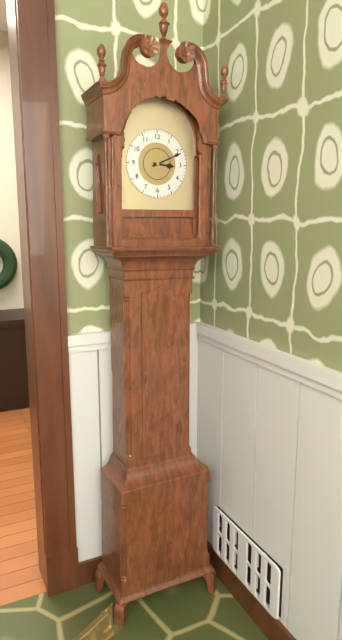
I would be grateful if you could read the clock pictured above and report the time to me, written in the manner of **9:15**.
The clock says **3:11**
